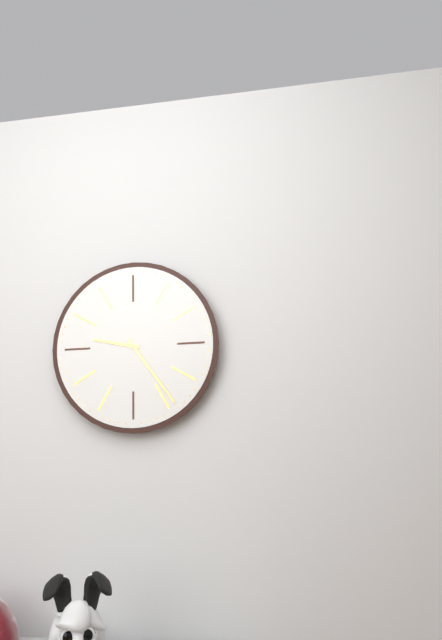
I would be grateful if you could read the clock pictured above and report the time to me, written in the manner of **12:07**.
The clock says **9:24**
